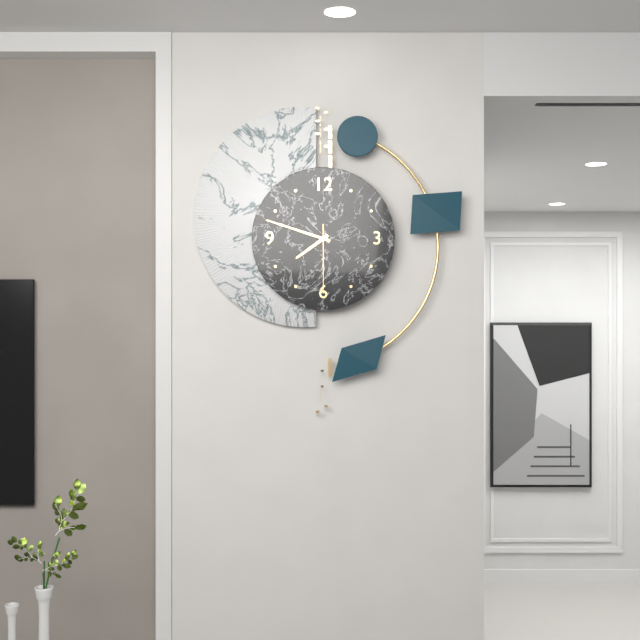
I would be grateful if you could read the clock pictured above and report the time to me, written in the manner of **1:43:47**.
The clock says **7:48:30**
